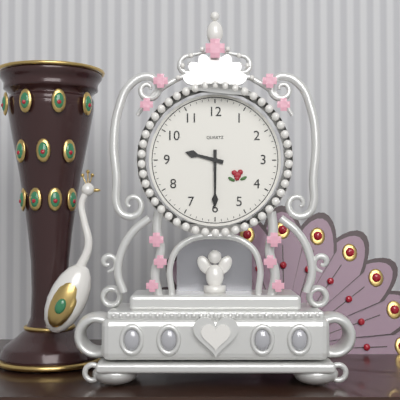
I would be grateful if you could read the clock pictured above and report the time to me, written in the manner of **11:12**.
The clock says **9:30**
